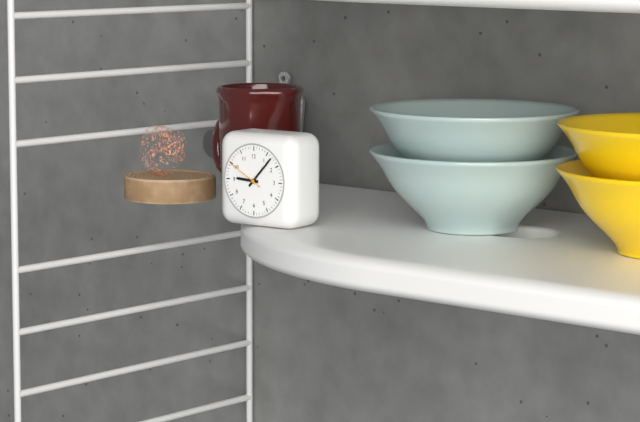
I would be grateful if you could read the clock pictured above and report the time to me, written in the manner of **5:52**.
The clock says **9:07**
